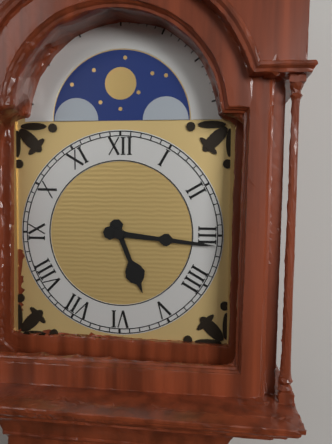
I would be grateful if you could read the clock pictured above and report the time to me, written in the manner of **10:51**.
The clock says **5:16**
